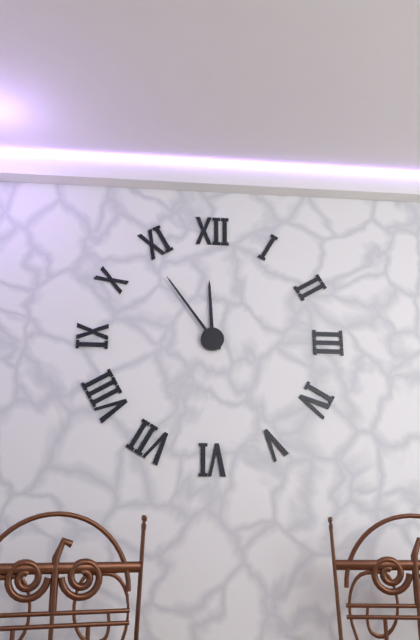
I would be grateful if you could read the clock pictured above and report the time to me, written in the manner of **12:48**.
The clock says **11:54**
